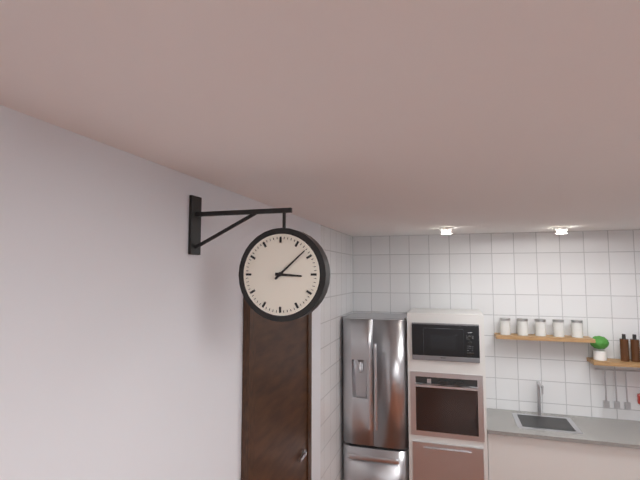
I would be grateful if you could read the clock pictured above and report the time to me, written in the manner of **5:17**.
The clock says **3:08**
